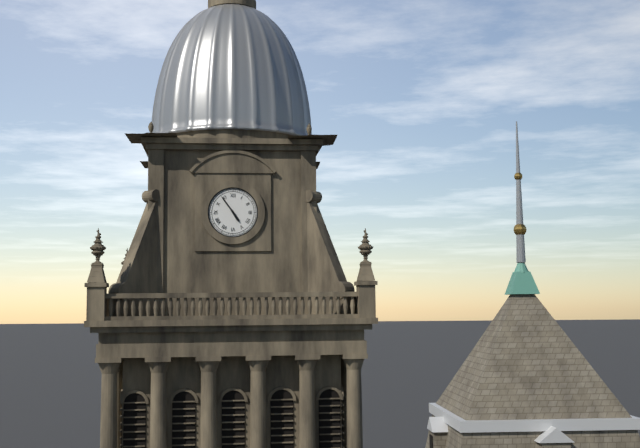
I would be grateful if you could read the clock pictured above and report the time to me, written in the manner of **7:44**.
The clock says **4:54**
